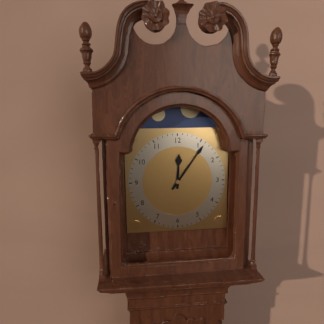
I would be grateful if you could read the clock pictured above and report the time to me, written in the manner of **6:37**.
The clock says **12:06**
